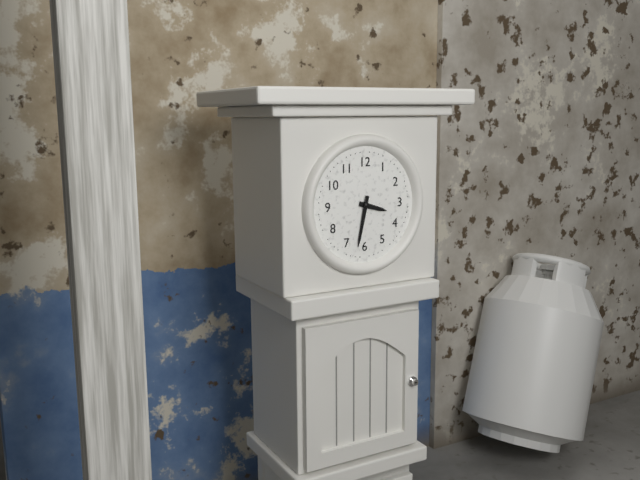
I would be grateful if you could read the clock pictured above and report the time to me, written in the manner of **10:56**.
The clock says **3:32**
